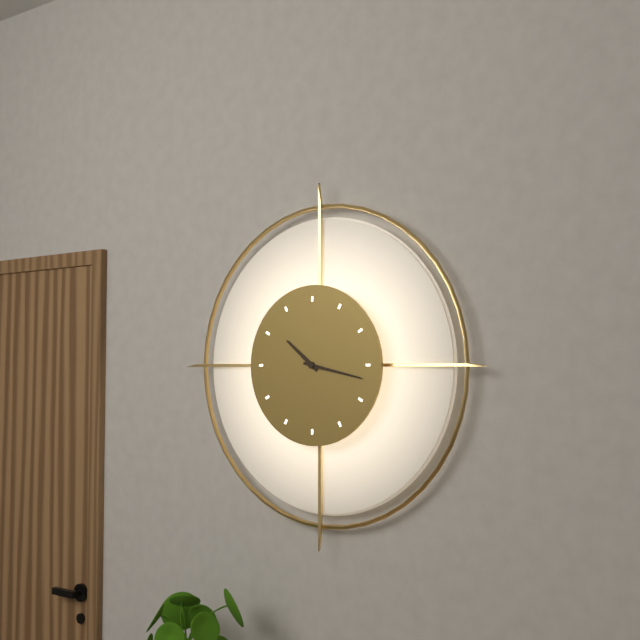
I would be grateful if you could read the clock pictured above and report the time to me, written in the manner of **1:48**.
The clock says **10:17**
